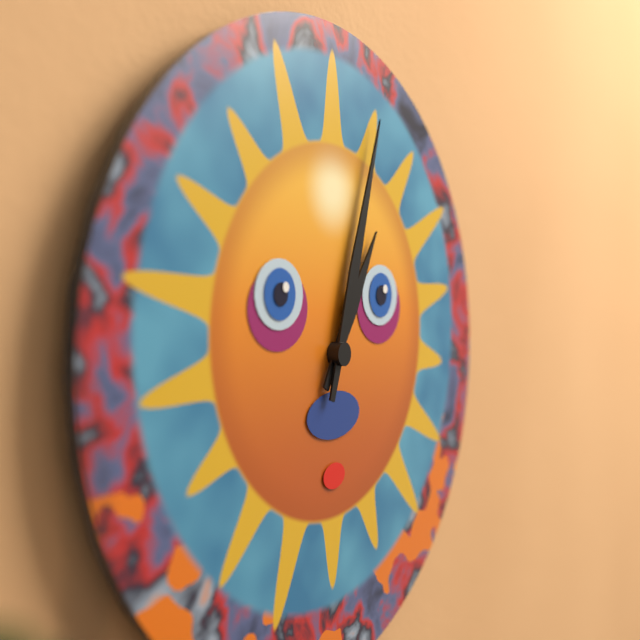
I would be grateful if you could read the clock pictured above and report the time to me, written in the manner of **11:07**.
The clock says **1:03**
